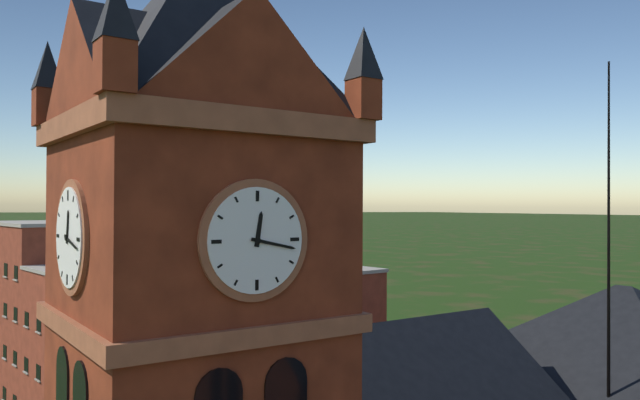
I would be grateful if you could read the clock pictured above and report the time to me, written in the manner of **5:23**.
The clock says **12:17**
